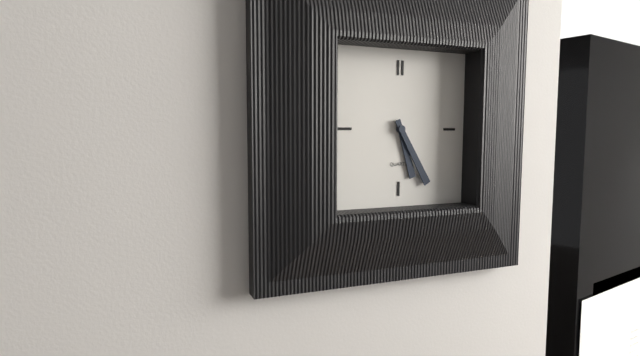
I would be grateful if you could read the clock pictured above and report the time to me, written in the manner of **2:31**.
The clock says **5:25**
